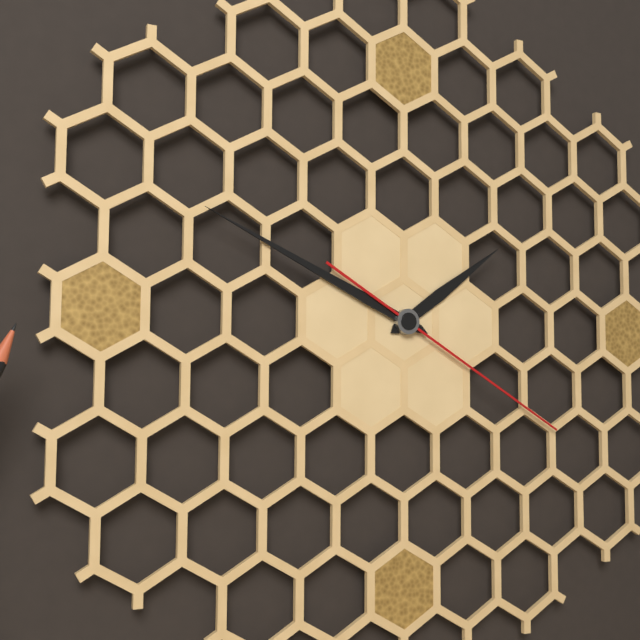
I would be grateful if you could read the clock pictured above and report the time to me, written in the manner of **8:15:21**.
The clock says **1:49:20**
